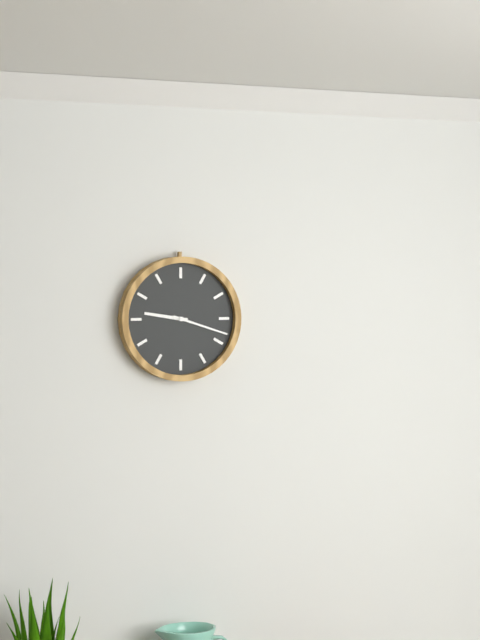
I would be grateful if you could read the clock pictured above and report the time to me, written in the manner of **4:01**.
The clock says **9:18**
